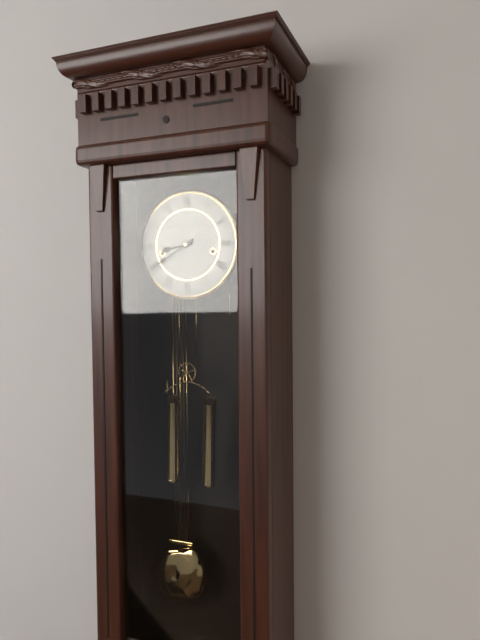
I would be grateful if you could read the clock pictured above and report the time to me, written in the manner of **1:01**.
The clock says **8:40**
